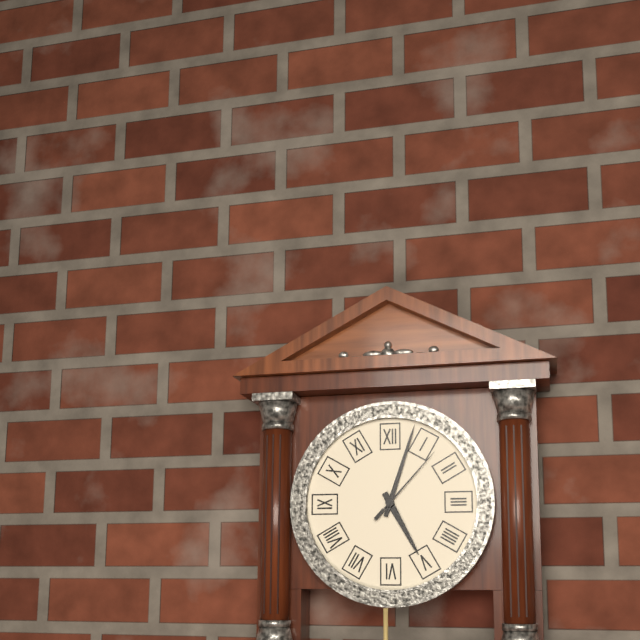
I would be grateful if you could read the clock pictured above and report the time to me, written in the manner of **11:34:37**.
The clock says **5:03:07**
